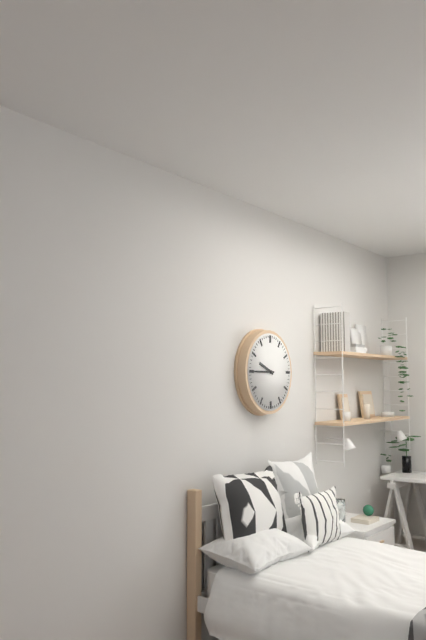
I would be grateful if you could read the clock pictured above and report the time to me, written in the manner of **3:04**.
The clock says **9:45**
